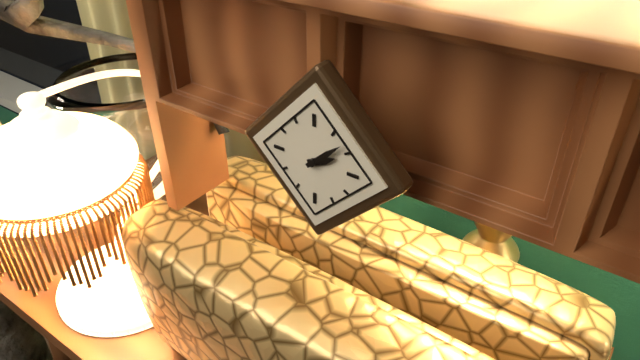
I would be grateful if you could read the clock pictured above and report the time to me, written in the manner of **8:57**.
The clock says **2:08**
